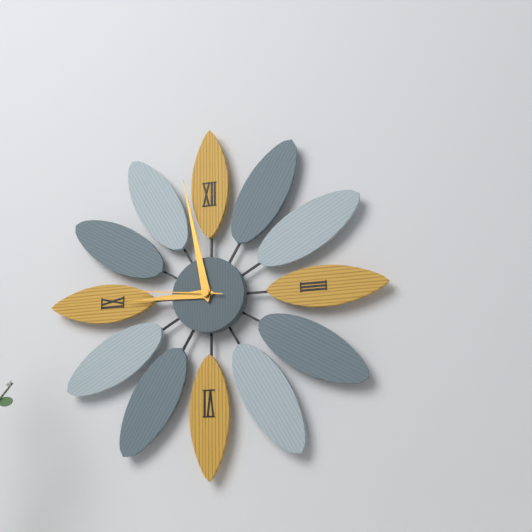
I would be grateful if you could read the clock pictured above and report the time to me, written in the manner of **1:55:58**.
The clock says **8:58:46**
